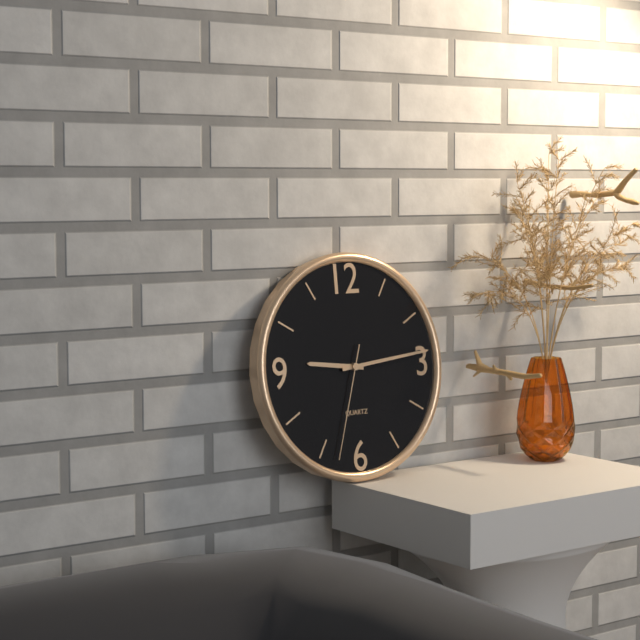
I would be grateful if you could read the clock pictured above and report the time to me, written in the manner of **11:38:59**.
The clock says **9:14:33**
